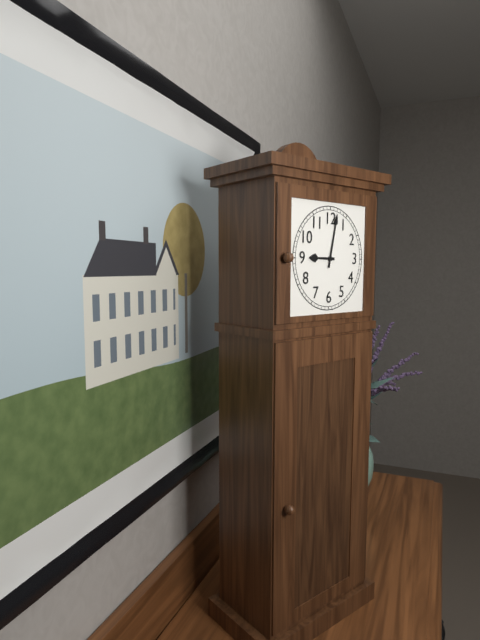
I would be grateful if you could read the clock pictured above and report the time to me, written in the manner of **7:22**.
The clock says **9:02**
